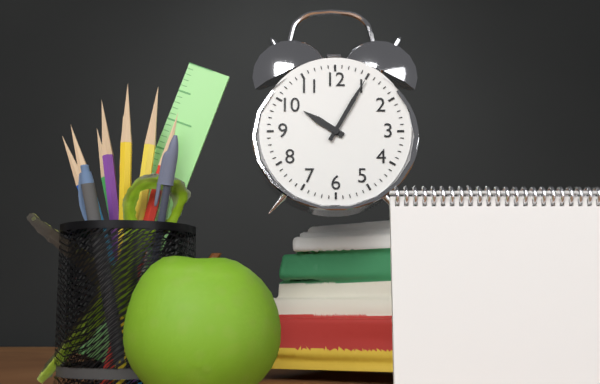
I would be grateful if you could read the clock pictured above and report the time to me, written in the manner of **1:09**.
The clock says **10:05**
